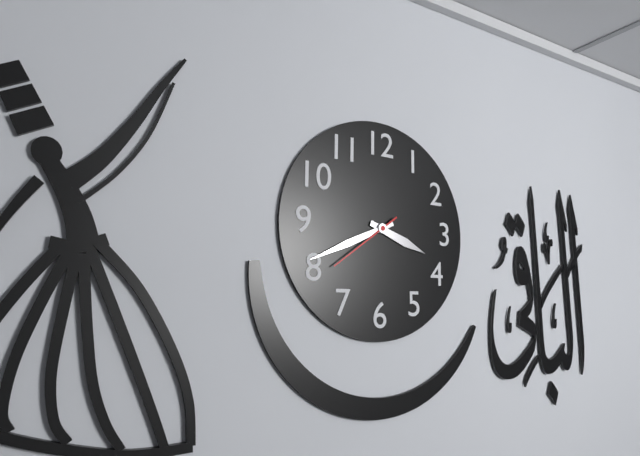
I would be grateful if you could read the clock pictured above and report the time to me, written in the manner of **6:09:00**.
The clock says **3:41:39**
